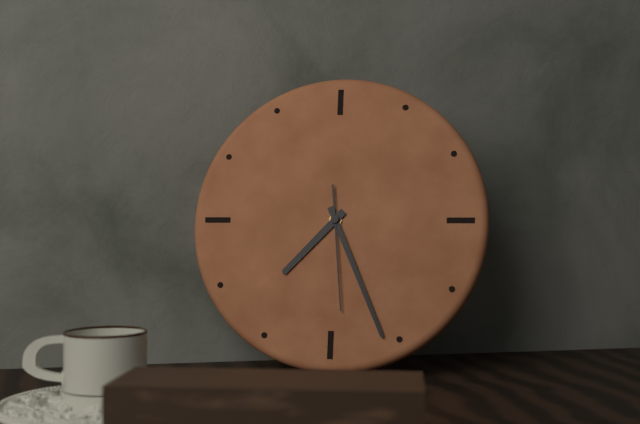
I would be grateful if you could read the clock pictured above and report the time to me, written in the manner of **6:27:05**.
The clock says **7:26:29**
